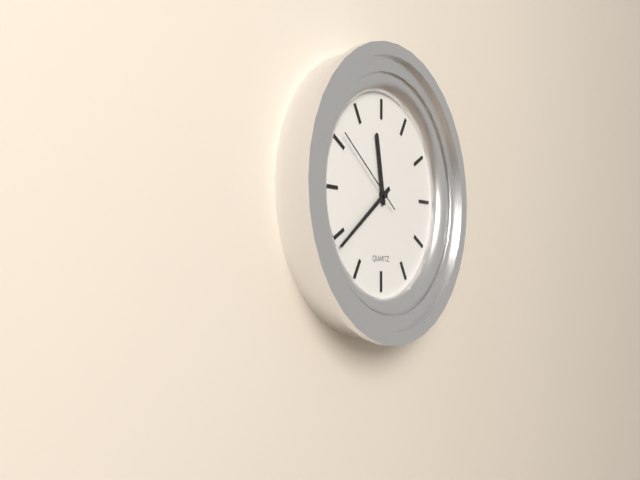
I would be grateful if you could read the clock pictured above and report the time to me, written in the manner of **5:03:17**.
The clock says **11:39:51**
